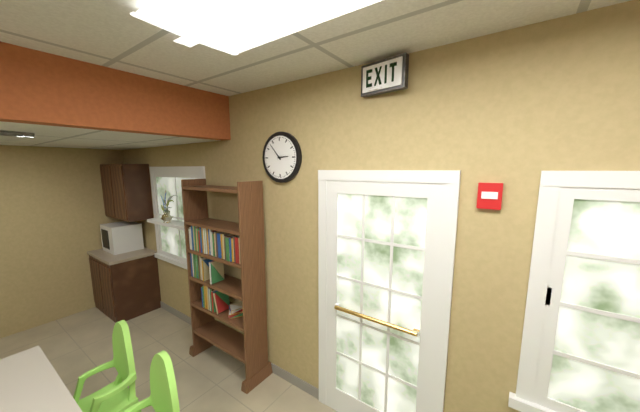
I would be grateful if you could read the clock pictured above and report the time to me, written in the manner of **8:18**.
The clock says **2:53**
